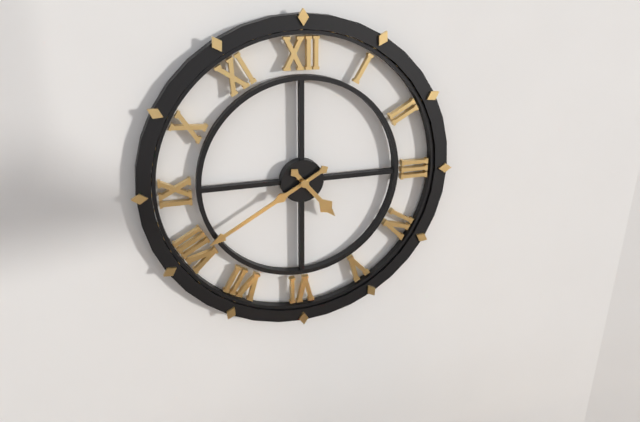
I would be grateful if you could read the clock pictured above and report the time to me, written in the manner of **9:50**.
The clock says **4:40**
